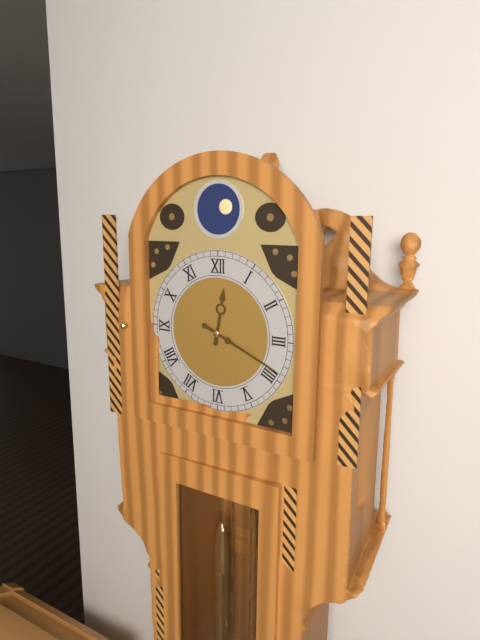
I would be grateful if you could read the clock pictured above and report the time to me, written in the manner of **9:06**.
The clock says **12:19**
